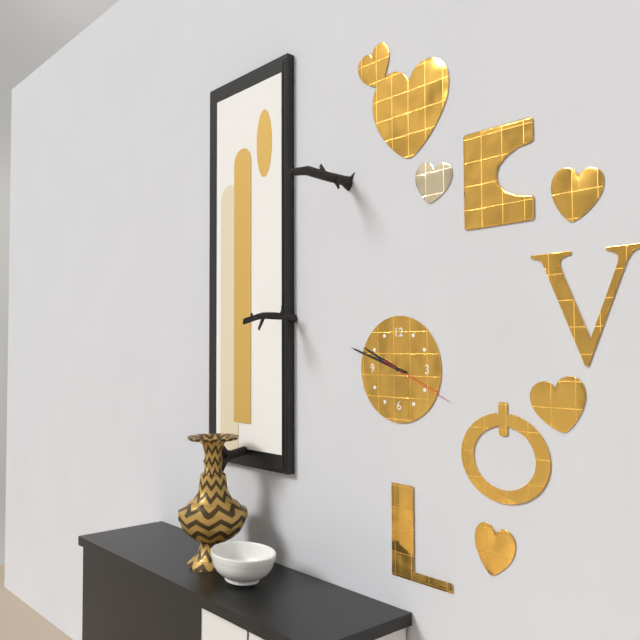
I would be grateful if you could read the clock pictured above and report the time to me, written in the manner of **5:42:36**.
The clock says **9:48:19**
